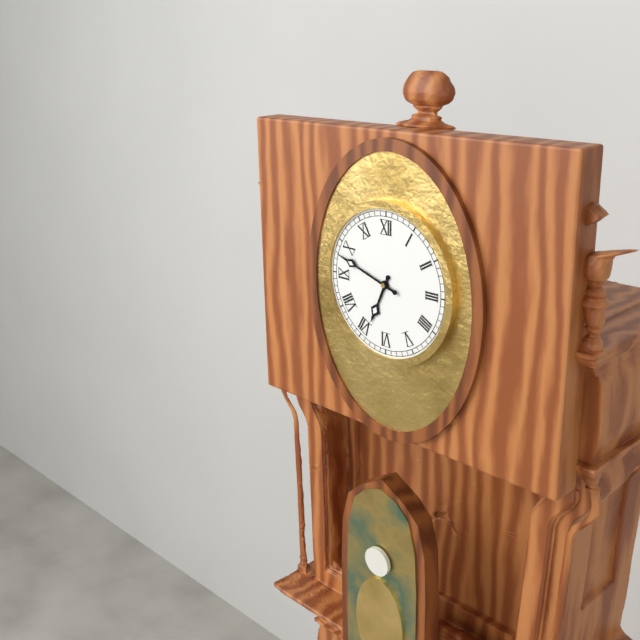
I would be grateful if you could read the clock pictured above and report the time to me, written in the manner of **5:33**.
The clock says **6:48**
